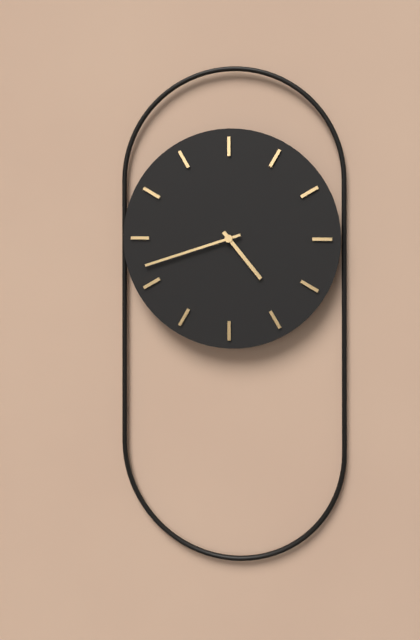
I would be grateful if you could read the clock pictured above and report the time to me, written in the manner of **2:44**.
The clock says **4:42**
